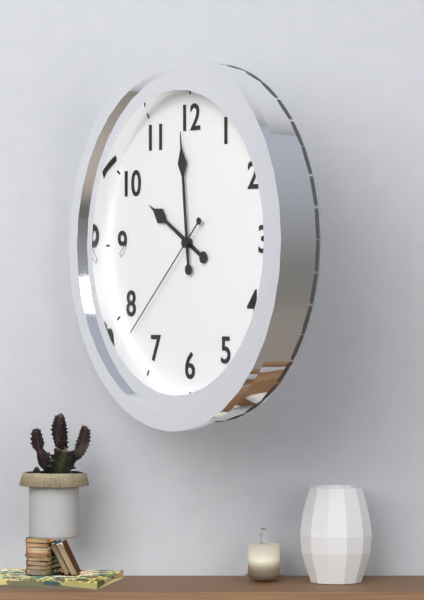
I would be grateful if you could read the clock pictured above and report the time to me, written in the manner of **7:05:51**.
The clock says **9:59:38**
